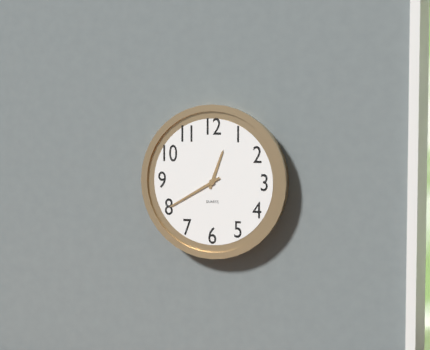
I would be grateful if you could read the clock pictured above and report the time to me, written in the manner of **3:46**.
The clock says **12:40**
